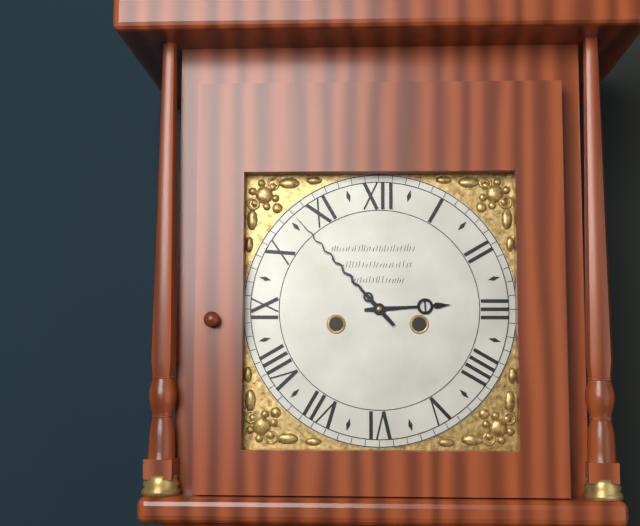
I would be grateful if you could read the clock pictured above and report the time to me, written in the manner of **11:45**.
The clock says **2:53**
